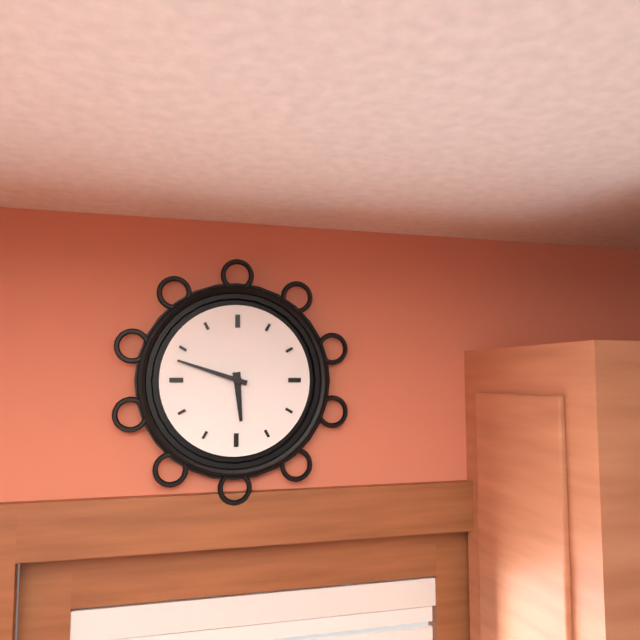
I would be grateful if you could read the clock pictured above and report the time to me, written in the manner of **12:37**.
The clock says **5:48**
